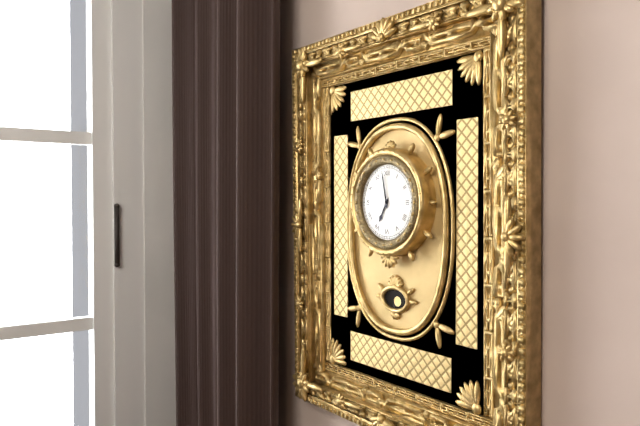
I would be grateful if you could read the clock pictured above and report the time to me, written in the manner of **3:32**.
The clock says **6:58**
